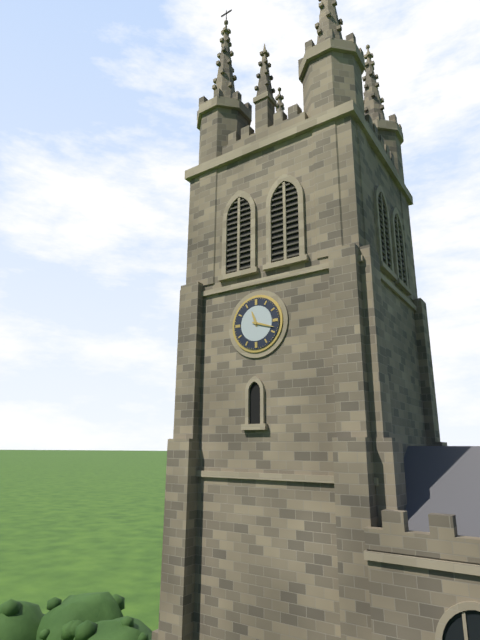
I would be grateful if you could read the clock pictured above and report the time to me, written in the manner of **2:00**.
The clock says **11:18**
